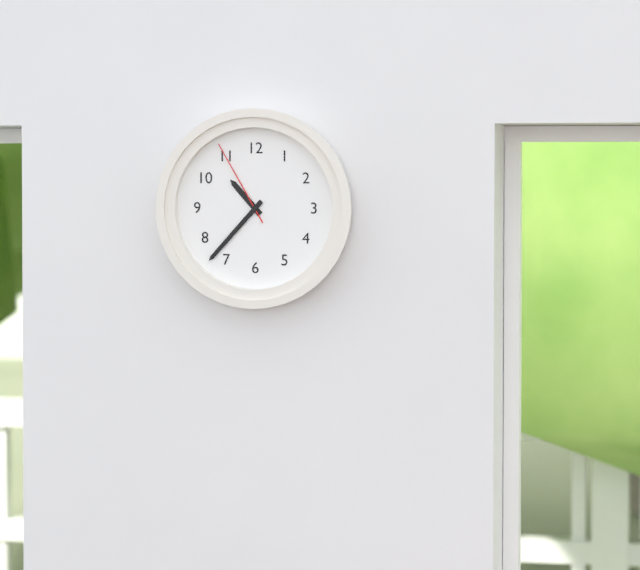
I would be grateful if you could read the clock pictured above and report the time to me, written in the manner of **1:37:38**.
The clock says **10:37:55**
